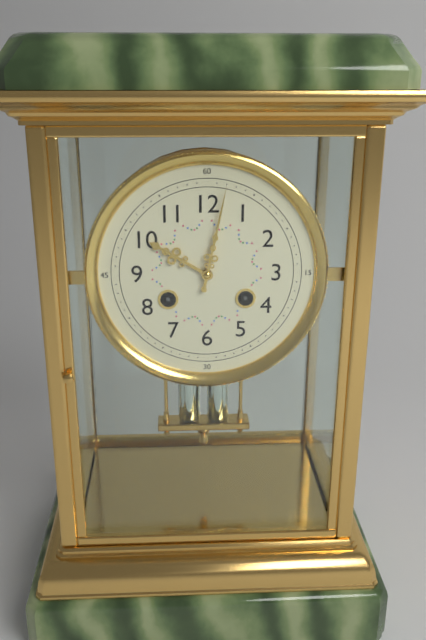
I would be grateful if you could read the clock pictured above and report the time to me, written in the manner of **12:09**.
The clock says **10:02**
